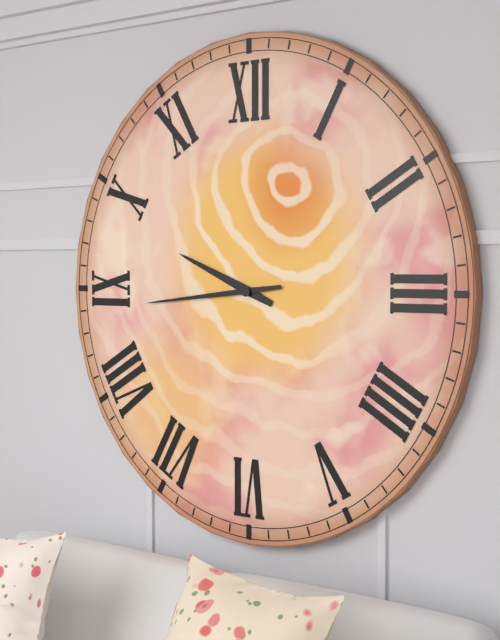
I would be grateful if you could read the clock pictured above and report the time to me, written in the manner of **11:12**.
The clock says **9:44**
